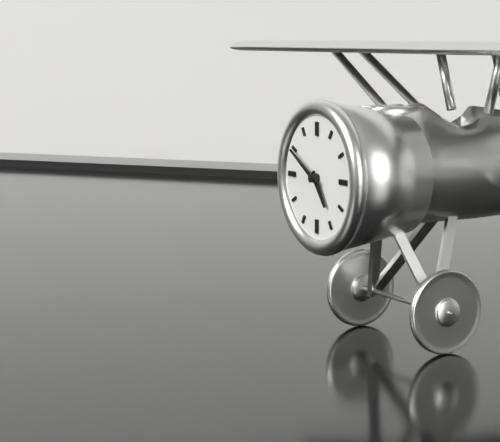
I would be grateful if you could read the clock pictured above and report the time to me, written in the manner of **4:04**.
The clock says **4:50**
